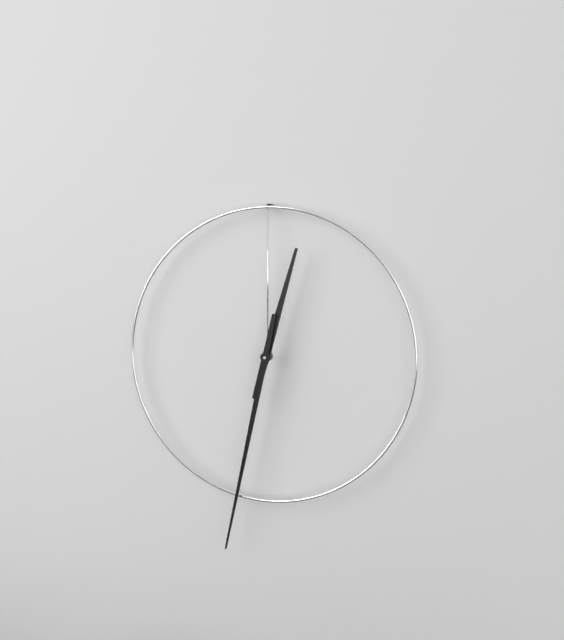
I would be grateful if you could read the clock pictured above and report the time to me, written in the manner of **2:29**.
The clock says **12:32**
